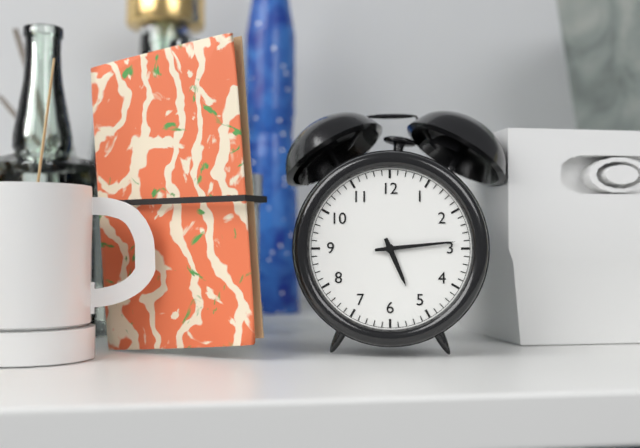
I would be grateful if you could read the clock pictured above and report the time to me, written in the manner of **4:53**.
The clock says **5:14**
